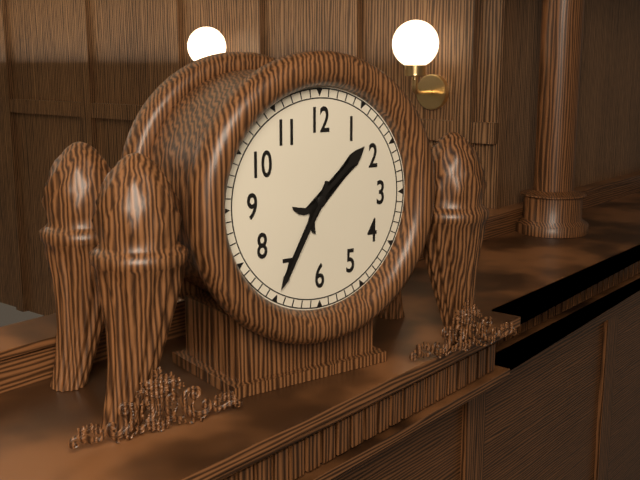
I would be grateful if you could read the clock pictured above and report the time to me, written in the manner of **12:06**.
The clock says **1:35**
